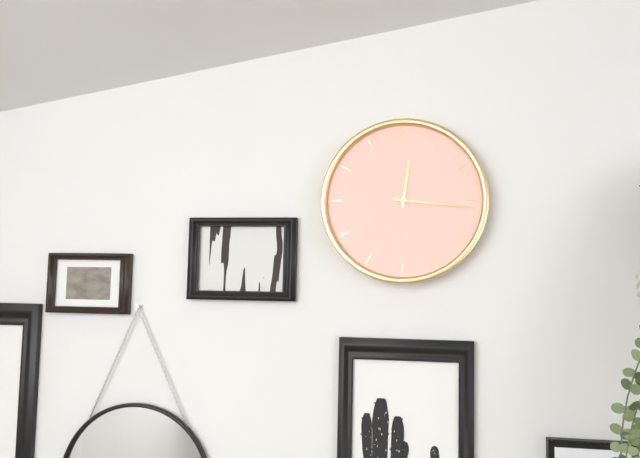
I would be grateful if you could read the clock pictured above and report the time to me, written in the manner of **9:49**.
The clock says **12:16**
